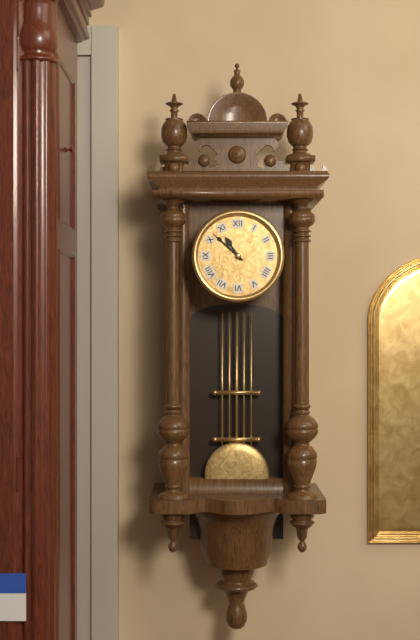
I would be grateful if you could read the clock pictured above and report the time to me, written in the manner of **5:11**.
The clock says **10:52**
